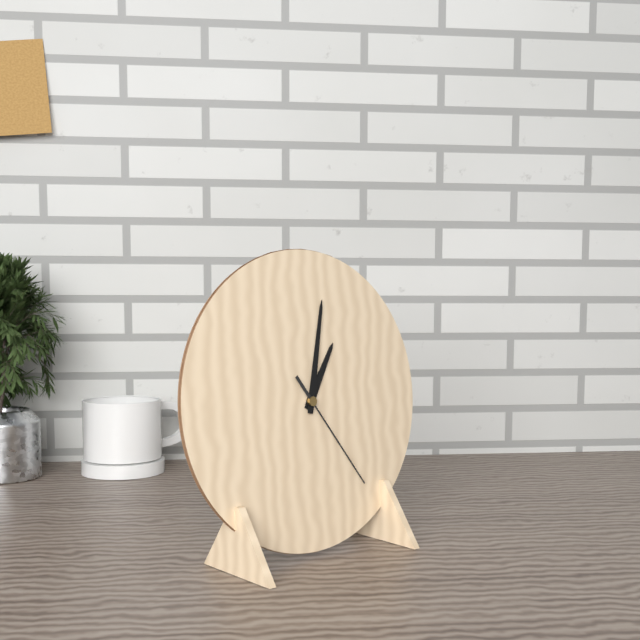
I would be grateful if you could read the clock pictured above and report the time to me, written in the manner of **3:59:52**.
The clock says **1:02:24**
